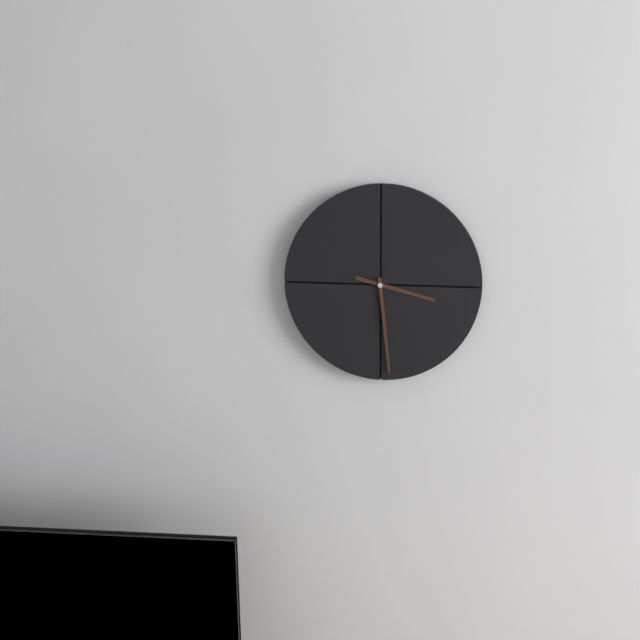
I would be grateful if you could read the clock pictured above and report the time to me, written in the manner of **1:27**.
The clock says **3:29**
